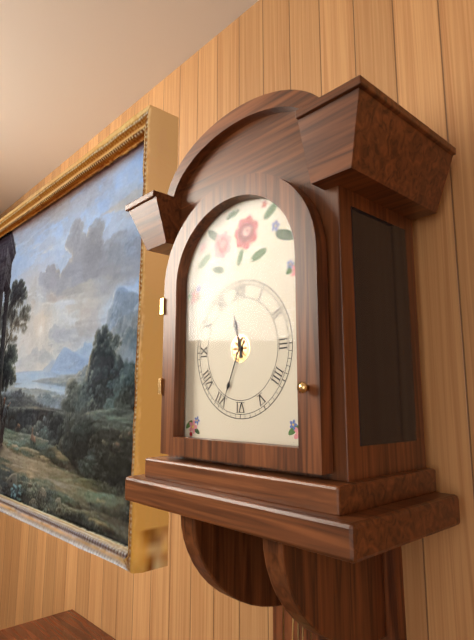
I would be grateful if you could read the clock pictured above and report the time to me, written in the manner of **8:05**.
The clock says **11:34**
